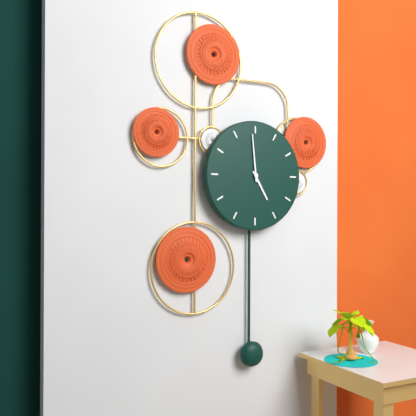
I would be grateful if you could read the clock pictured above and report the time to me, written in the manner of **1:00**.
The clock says **4:59**
